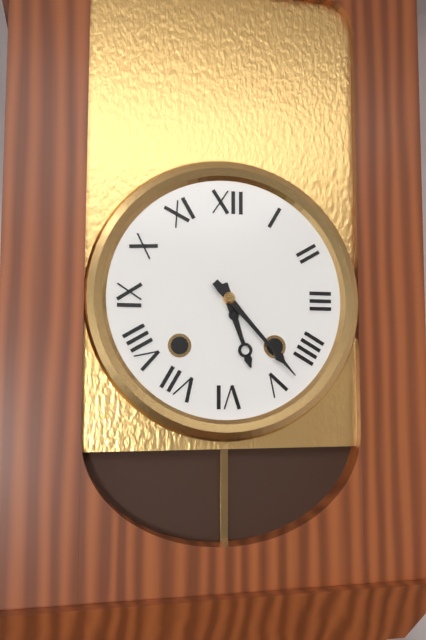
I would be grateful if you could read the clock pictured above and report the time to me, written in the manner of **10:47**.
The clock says **5:23**
